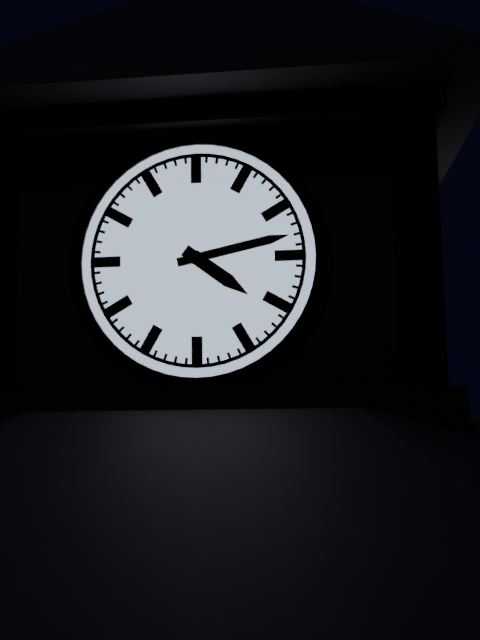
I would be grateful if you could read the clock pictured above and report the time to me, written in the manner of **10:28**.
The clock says **4:13**
